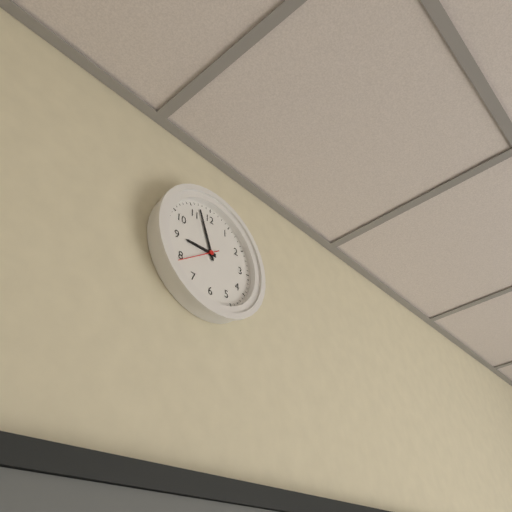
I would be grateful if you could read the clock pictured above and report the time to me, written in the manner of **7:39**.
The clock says **8:57**
